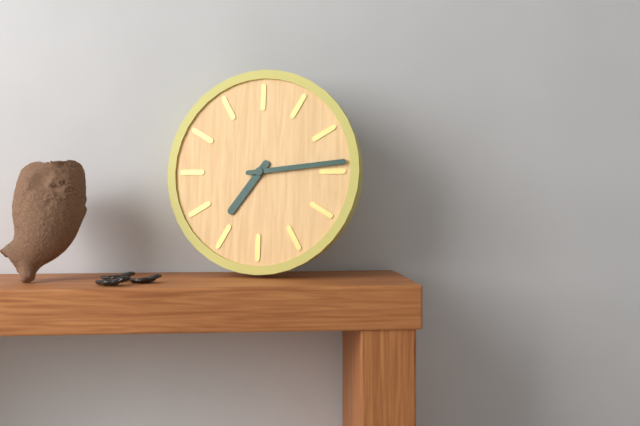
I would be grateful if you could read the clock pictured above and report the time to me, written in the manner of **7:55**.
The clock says **7:14**
